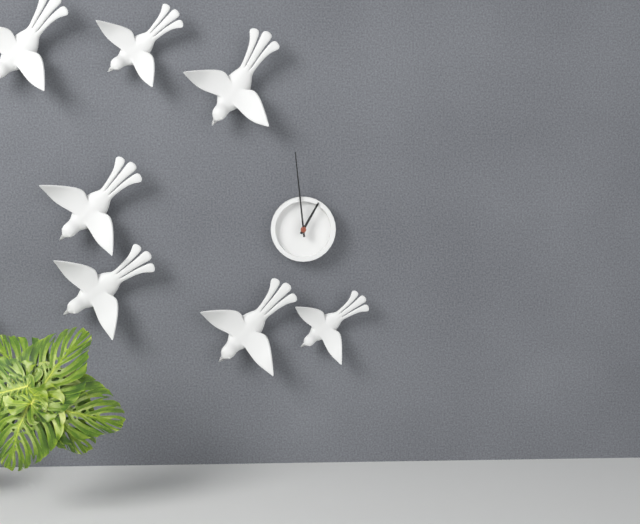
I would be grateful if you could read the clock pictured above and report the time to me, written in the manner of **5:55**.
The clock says **12:59**
